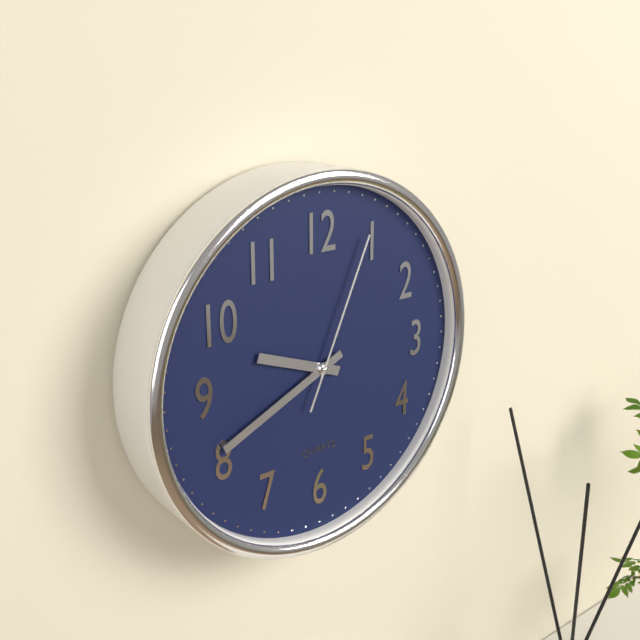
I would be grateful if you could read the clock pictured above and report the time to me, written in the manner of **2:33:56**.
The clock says **9:41:04**
